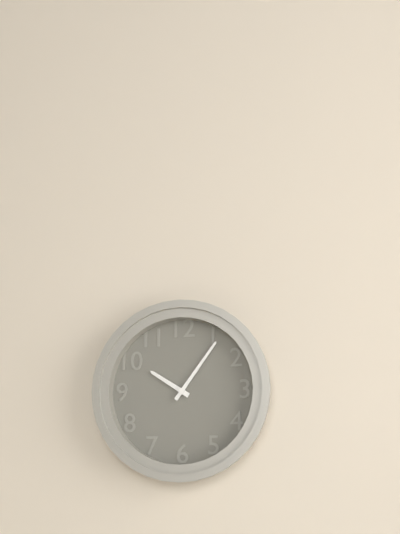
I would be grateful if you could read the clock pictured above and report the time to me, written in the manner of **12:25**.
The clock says **10:06**
